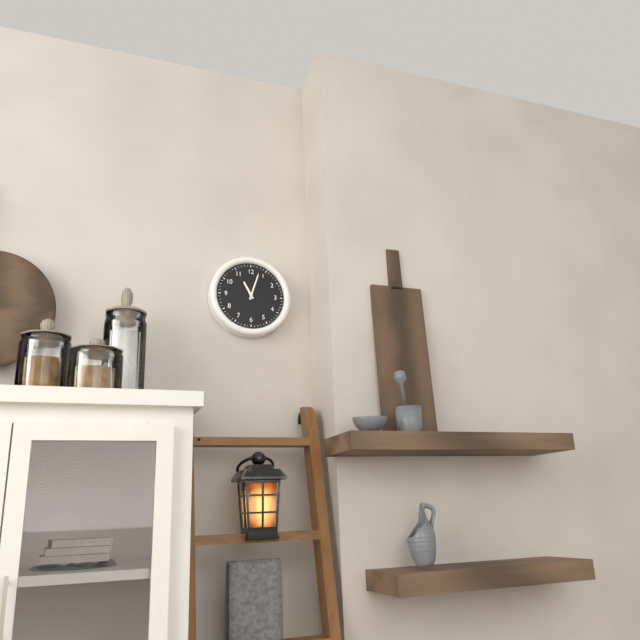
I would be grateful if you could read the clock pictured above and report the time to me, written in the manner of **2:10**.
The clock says **11:03**
